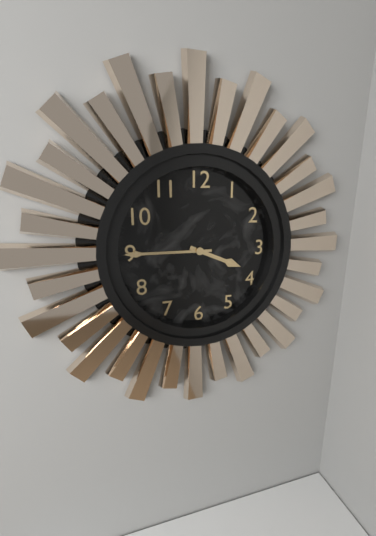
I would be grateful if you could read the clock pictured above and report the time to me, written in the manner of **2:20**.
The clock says **3:45**
